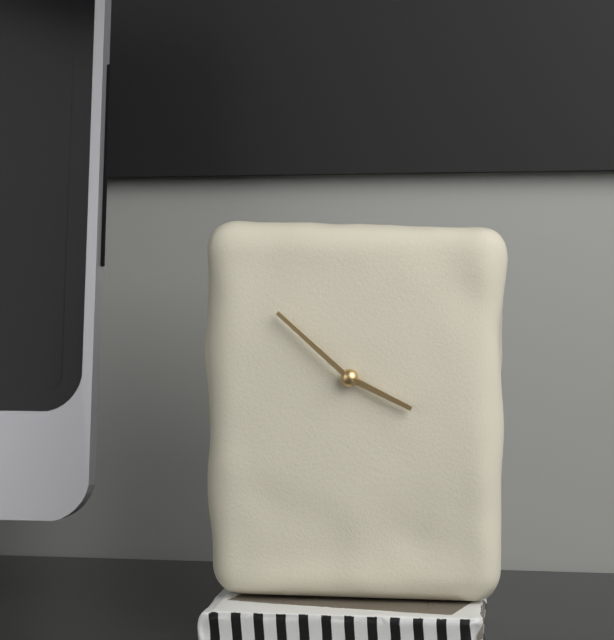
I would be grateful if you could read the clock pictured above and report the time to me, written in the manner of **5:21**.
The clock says **3:52**
